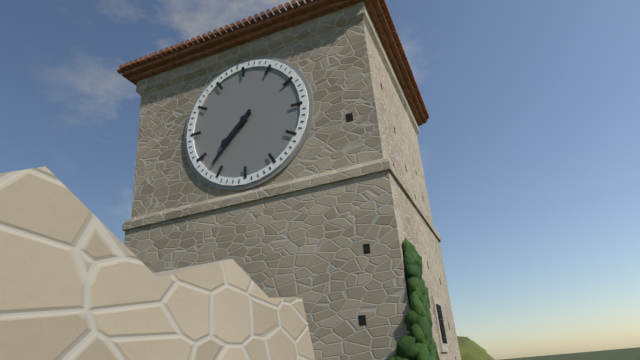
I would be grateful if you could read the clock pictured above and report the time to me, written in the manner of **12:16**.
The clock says **7:37**
